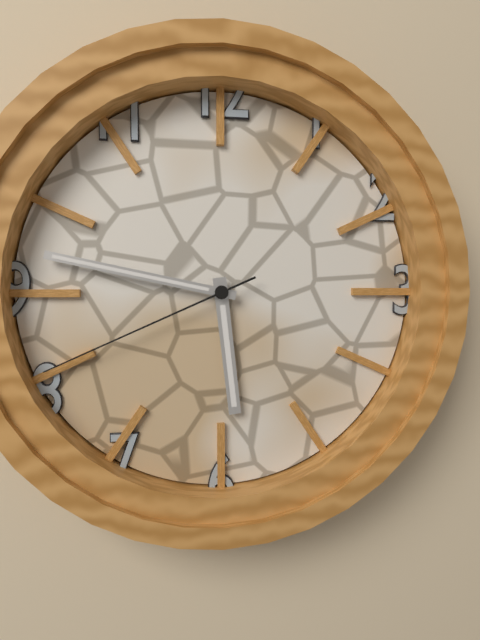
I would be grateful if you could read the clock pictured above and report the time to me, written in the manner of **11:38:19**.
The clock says **5:47:41**
